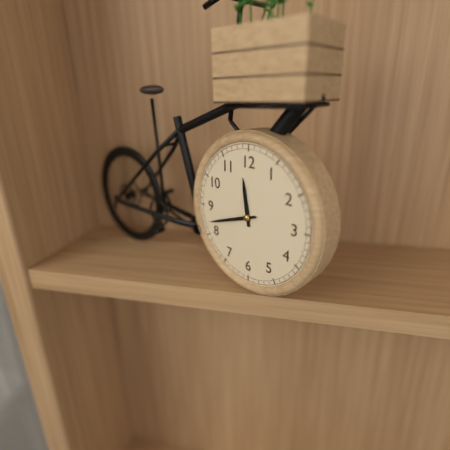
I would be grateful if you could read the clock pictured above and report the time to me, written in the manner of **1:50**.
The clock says **11:42**
